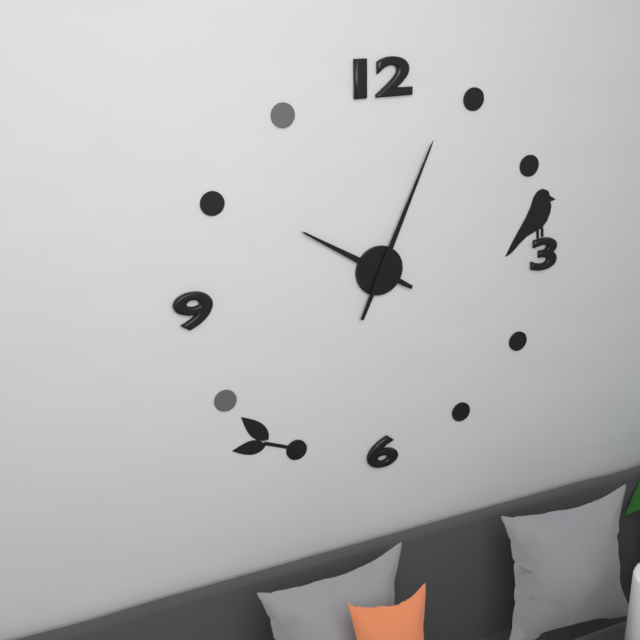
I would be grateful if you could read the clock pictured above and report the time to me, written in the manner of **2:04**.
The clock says **10:04**
